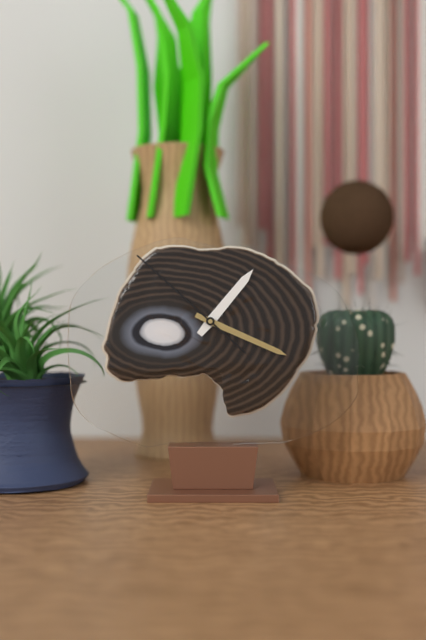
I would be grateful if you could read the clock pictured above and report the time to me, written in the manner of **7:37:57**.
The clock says **1:19:52**
